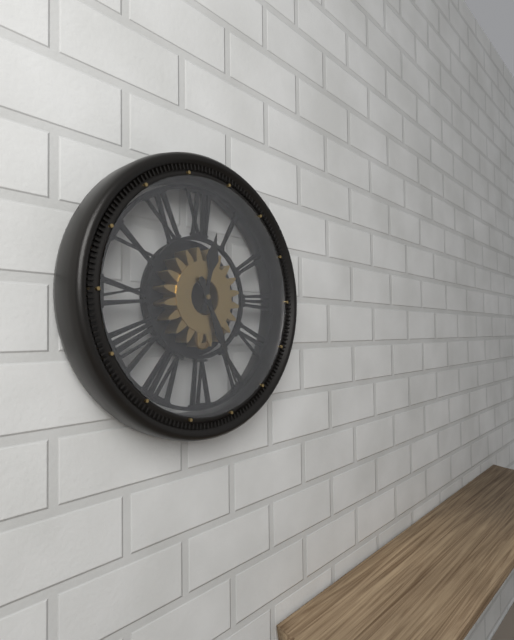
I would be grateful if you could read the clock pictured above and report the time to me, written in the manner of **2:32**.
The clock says **12:26**
